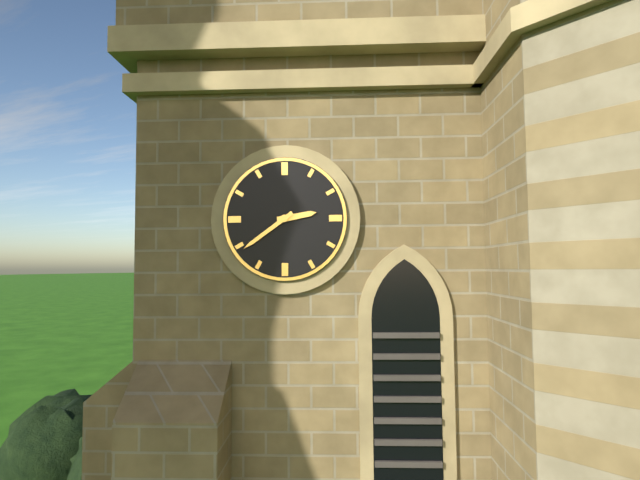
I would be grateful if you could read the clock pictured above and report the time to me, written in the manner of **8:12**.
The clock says **2:39**
